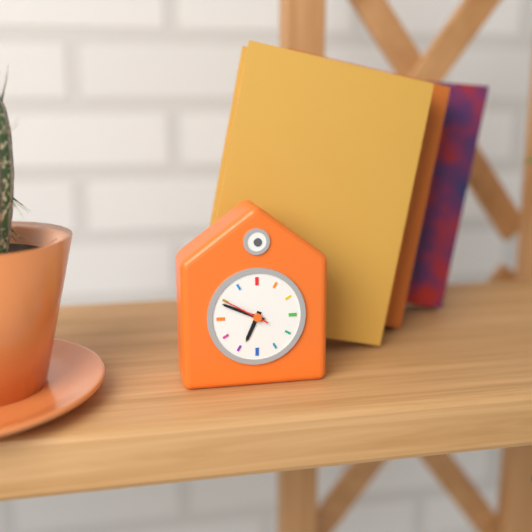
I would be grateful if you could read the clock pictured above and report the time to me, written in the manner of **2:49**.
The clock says **6:49**
